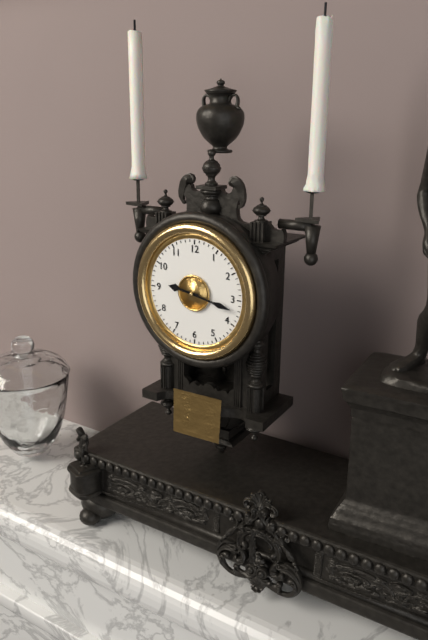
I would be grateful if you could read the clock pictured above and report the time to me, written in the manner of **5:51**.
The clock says **9:17**
